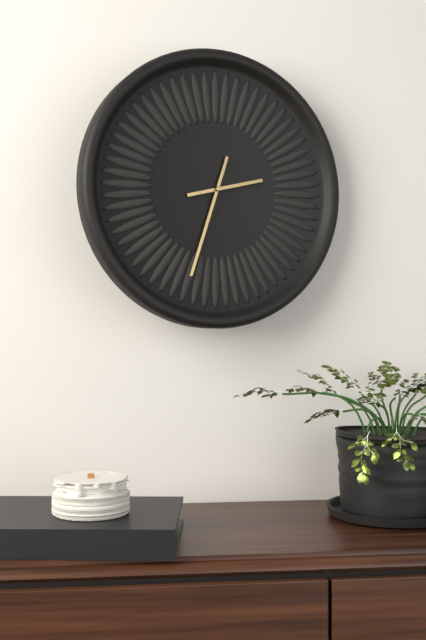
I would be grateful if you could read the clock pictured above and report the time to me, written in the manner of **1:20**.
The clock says **2:33**
